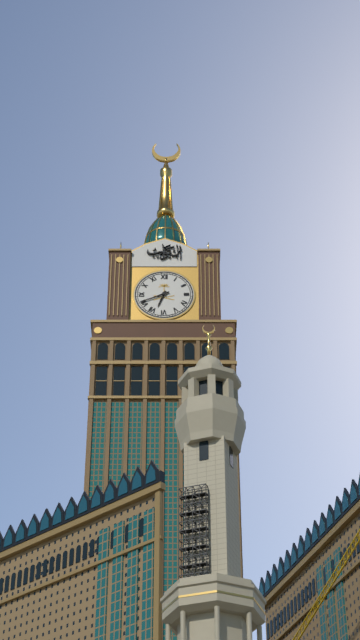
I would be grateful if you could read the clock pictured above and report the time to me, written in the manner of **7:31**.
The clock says **6:41**
